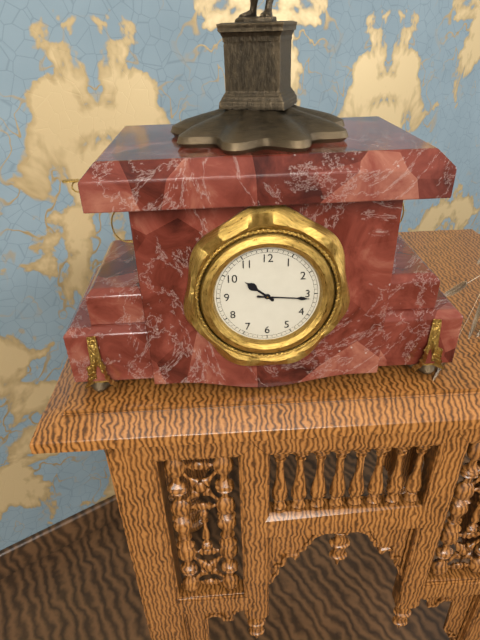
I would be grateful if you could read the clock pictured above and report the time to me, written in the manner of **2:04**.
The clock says **10:16**
